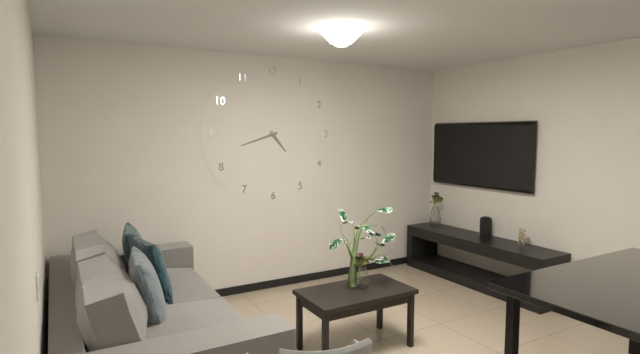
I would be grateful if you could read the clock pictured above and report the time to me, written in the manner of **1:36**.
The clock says **4:42**
